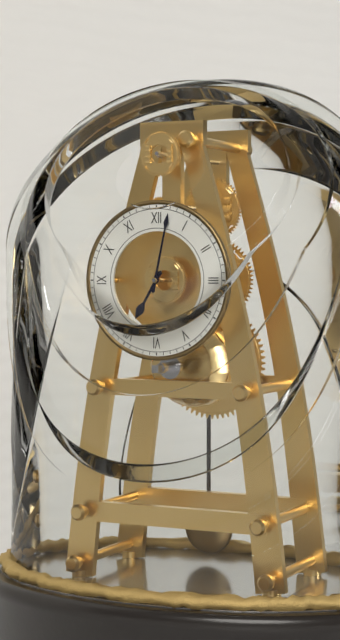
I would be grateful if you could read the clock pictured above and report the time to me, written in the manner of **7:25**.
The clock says **7:02**
